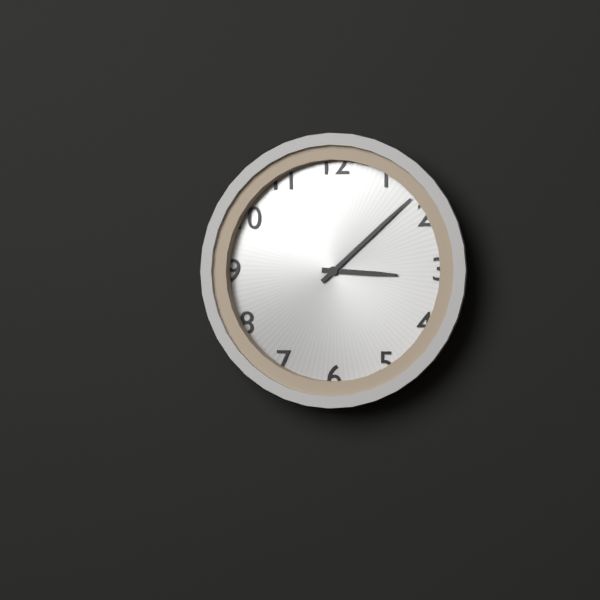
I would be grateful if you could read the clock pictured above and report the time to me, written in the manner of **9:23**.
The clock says **3:08**
